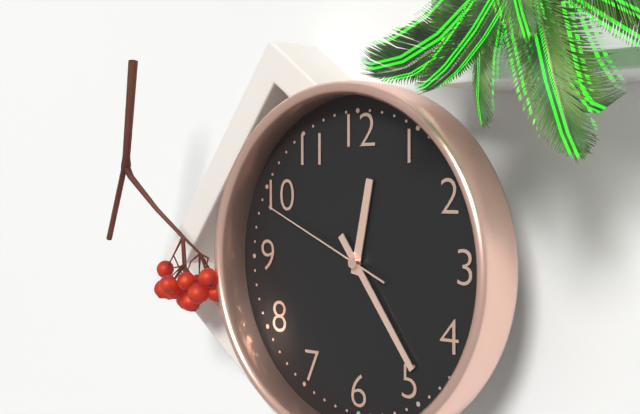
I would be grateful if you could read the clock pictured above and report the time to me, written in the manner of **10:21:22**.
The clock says **12:24:49**
